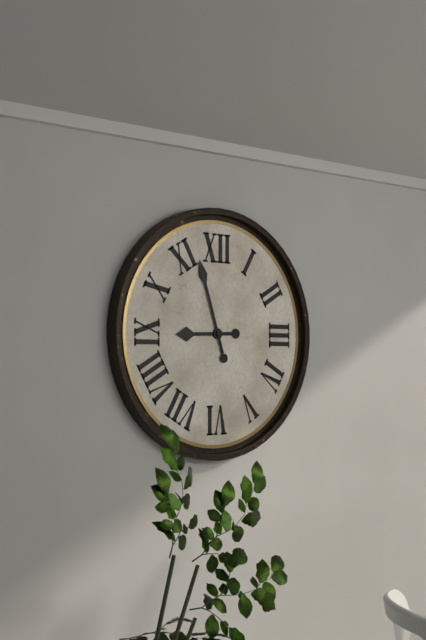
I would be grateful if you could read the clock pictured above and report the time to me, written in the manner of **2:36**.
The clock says **8:57**
